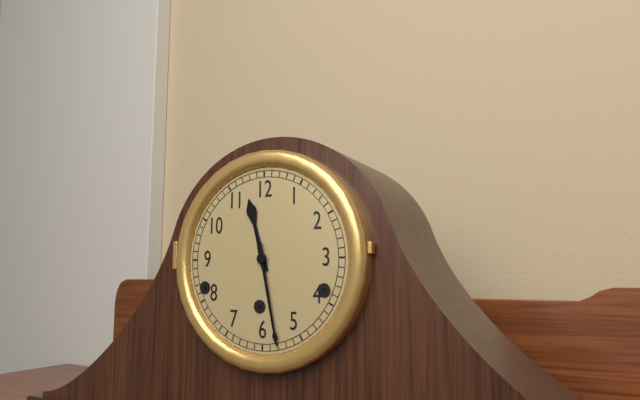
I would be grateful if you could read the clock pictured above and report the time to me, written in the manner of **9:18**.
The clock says **11:28**
